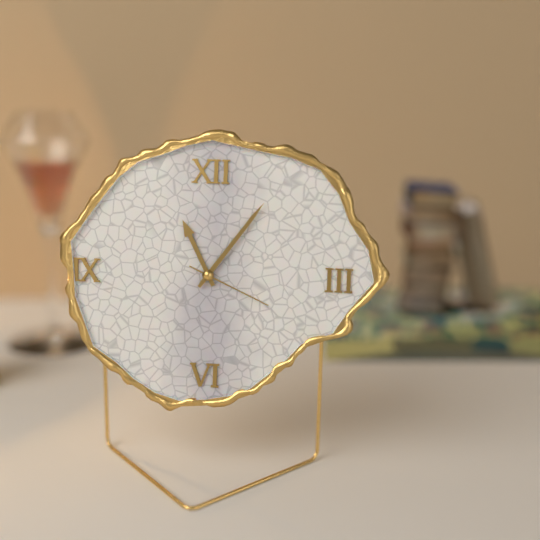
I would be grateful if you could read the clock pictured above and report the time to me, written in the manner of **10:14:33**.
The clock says **11:06:19**
